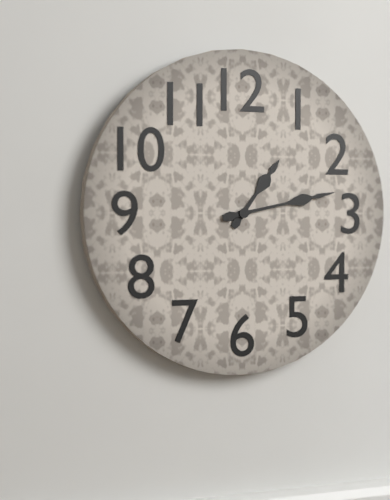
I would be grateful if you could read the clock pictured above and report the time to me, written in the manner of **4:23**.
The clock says **1:13**
